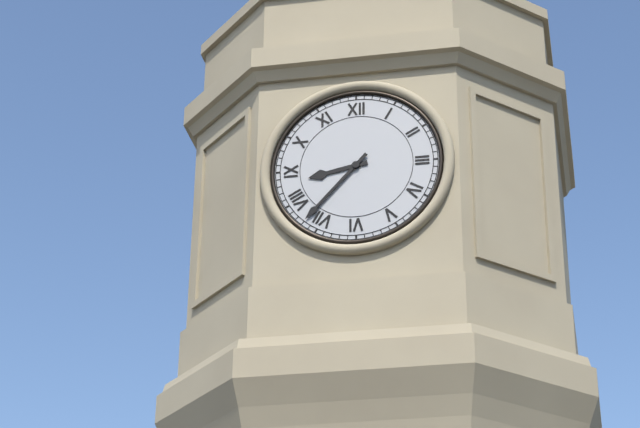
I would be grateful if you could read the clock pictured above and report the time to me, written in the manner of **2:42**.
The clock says **8:37**
